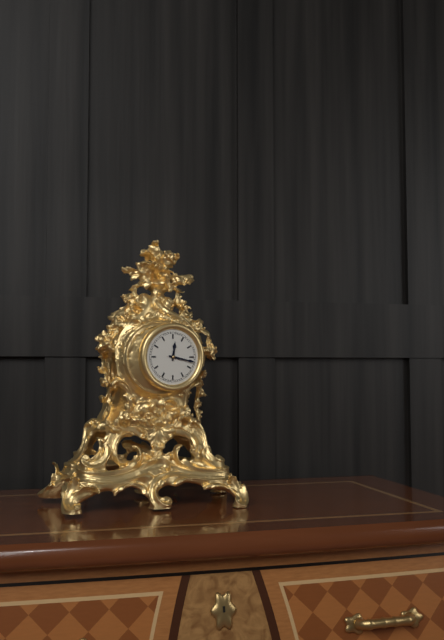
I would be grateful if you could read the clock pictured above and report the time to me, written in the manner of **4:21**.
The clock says **12:17**
